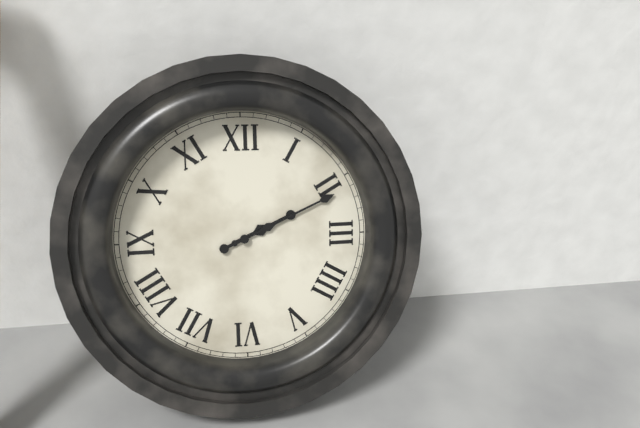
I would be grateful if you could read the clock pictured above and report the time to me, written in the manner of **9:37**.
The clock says **2:11**
